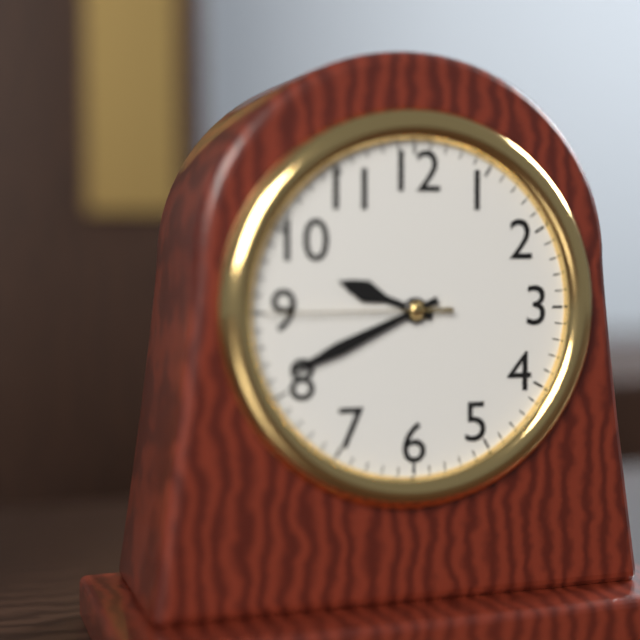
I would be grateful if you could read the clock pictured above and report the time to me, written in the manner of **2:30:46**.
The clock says **9:41:45**
